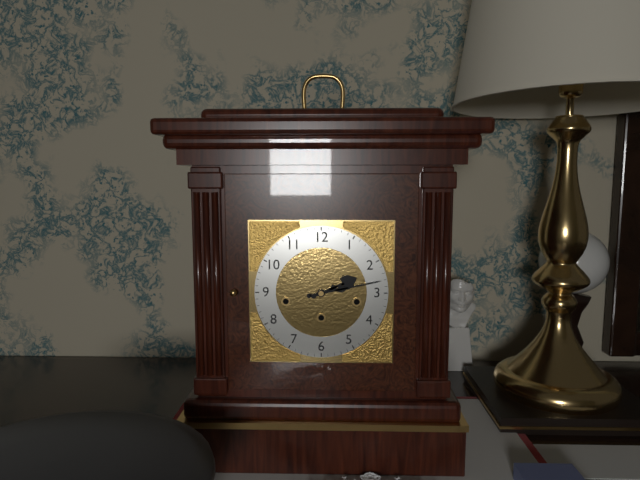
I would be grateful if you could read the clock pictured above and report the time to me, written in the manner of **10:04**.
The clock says **2:13**
